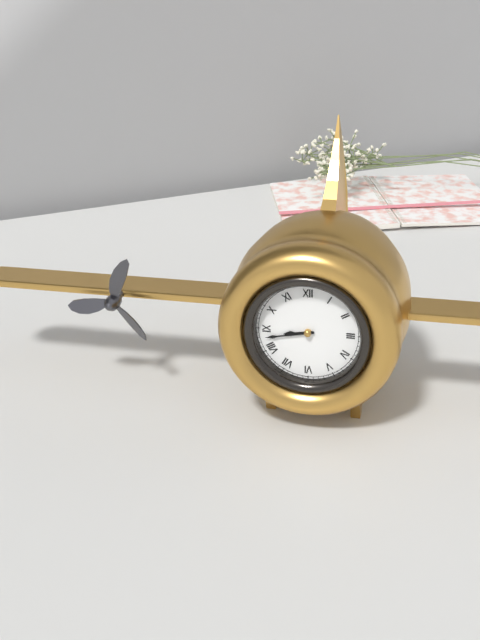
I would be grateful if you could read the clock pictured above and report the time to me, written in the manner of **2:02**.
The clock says **8:43**
